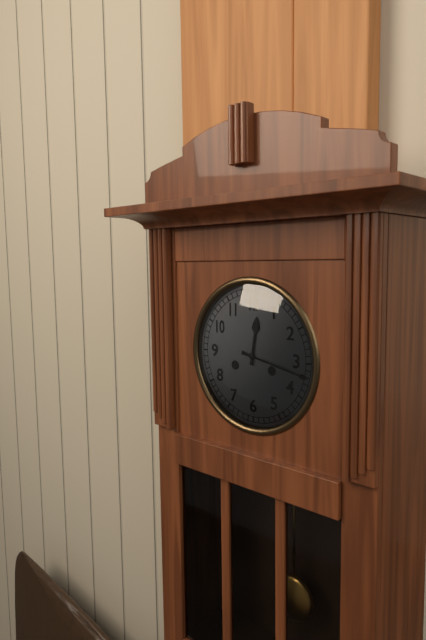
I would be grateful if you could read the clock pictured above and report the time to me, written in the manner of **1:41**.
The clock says **12:17**
